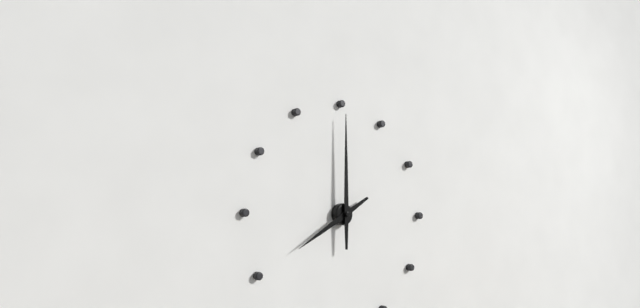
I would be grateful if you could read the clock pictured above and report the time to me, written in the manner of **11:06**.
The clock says **8:00**
